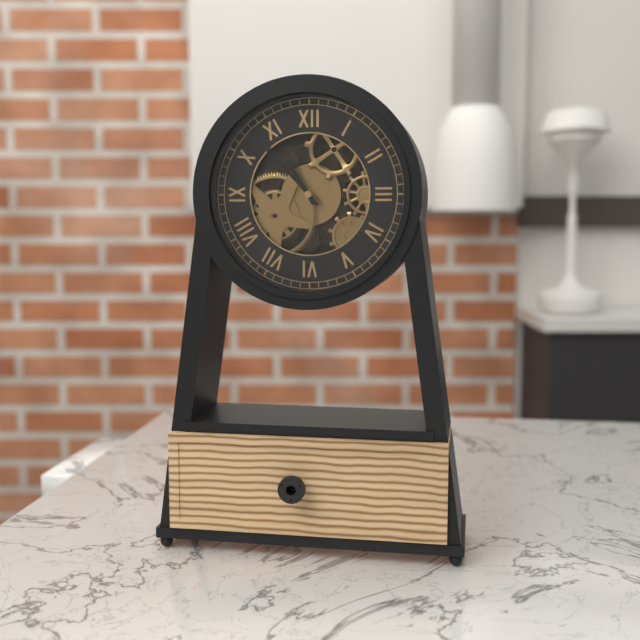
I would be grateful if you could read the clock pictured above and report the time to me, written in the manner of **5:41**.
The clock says **10:53**
